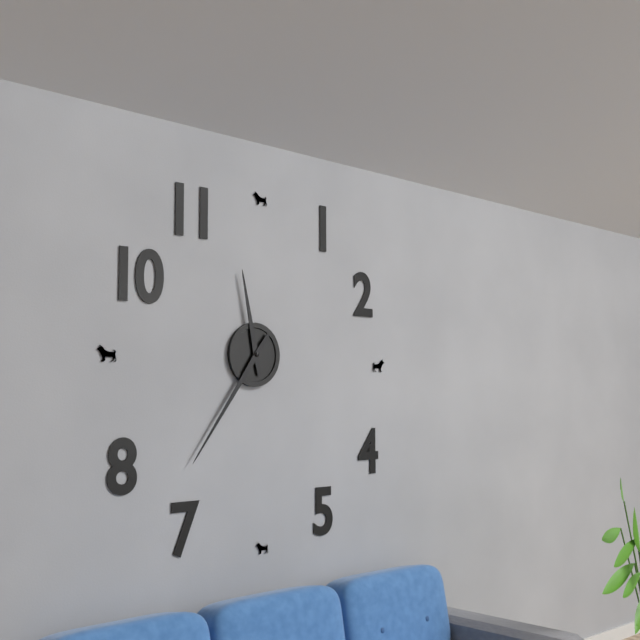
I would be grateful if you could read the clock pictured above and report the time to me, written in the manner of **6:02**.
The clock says **11:36**
